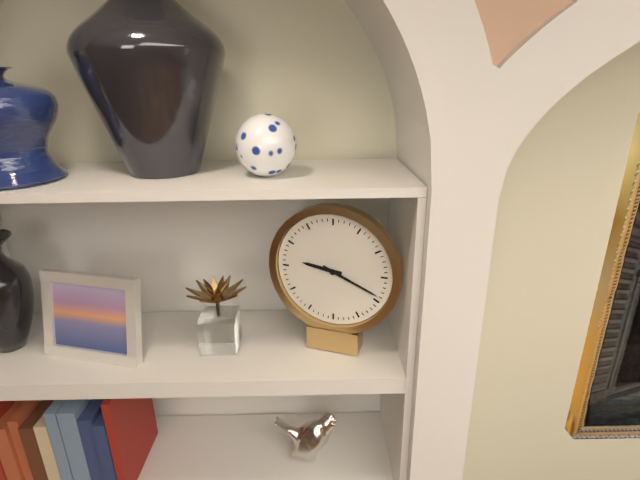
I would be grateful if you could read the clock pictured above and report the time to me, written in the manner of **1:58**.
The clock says **9:19**
